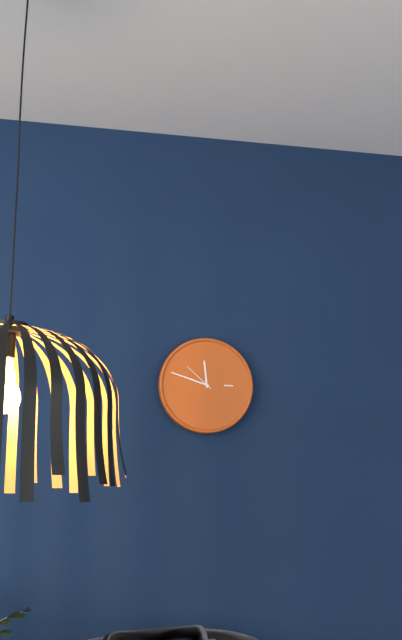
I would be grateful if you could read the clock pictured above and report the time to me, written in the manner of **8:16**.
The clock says **11:48**
